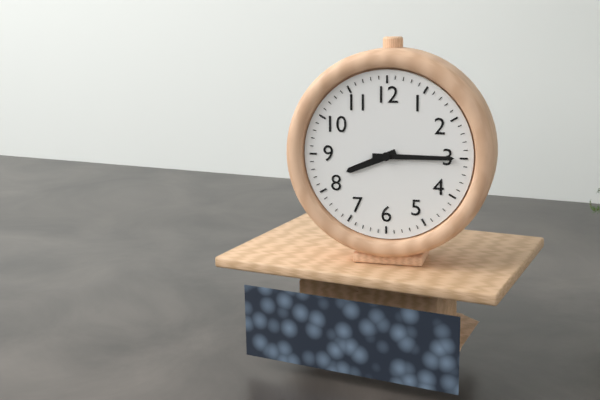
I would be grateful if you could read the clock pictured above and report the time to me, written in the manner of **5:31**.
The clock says **8:15**
